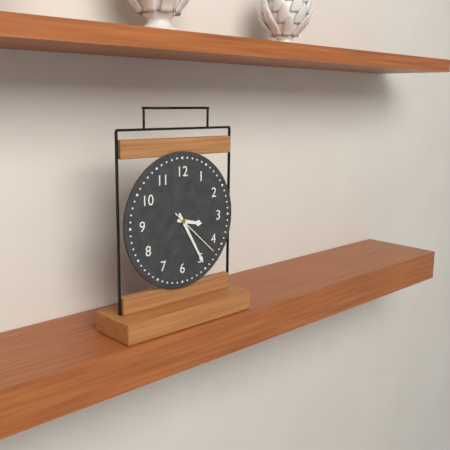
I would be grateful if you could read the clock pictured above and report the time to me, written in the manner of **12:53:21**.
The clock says **3:25:22**
